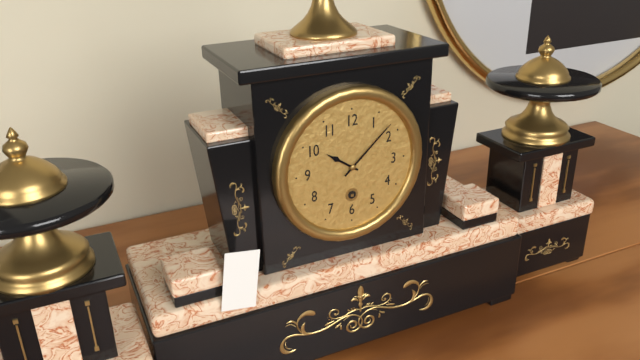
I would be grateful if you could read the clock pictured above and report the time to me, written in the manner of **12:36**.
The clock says **10:08**
